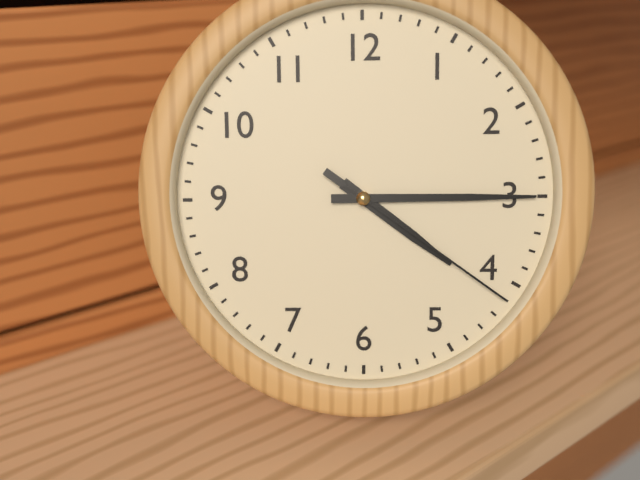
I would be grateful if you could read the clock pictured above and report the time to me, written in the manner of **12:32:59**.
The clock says **4:15:21**
